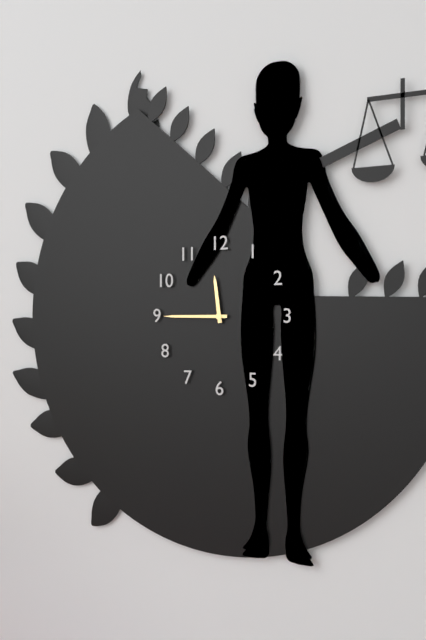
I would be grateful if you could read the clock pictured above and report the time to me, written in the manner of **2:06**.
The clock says **11:45**
